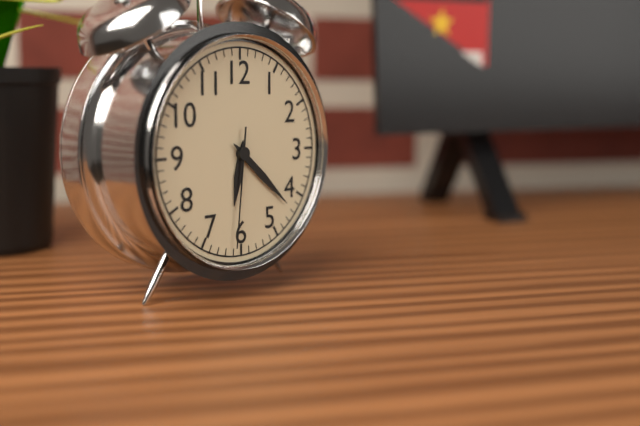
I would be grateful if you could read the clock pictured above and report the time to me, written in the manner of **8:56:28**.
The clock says **6:22:31**
